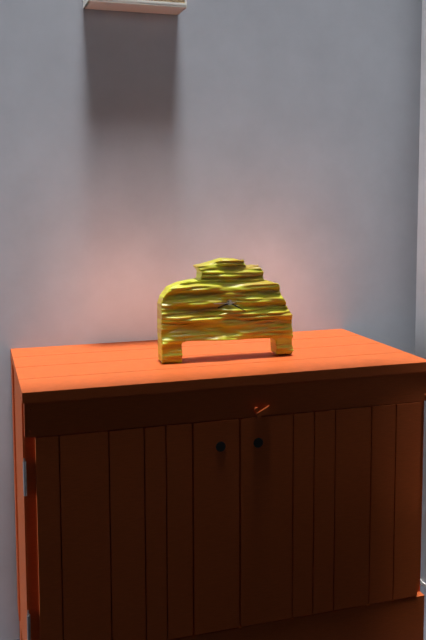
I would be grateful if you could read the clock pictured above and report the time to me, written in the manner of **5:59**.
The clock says **8:20**
